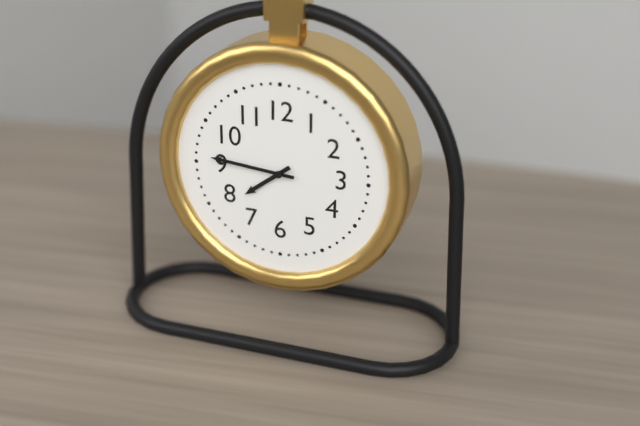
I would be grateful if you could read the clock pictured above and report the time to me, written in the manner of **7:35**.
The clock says **7:46**
